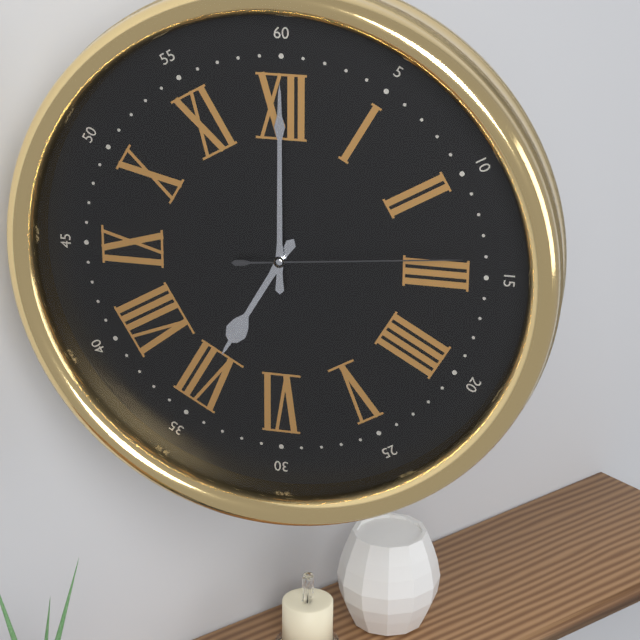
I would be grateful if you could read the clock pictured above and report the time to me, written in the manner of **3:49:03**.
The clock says **7:00:14**
